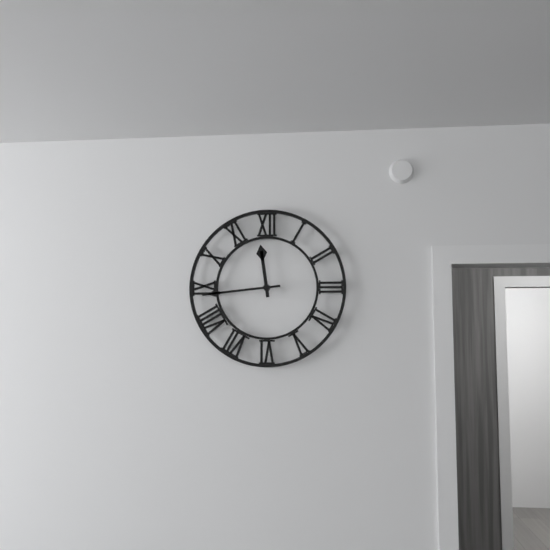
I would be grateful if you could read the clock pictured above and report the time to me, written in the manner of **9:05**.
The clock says **11:44**
